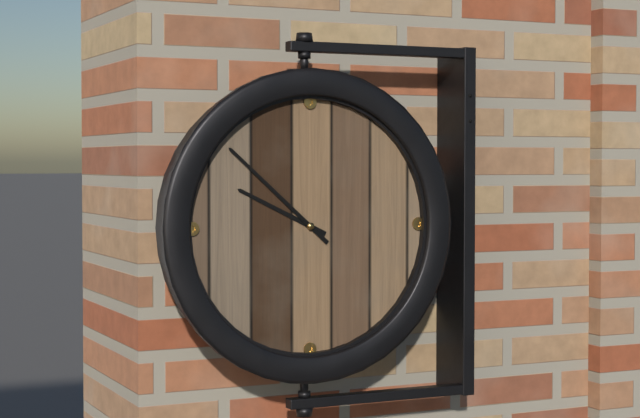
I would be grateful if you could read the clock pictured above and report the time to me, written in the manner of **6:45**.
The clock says **9:52**
